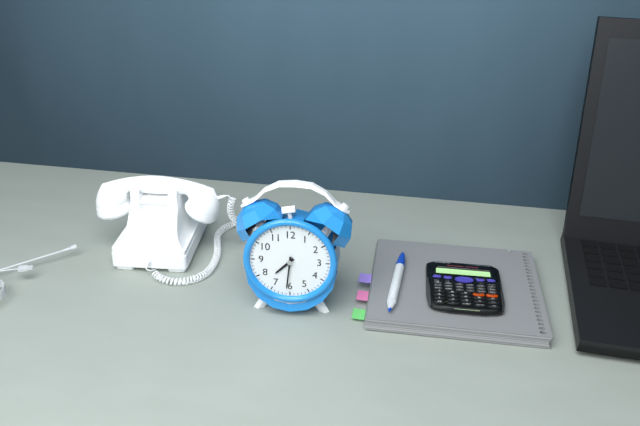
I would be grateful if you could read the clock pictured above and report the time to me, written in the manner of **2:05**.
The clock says **7:31**
